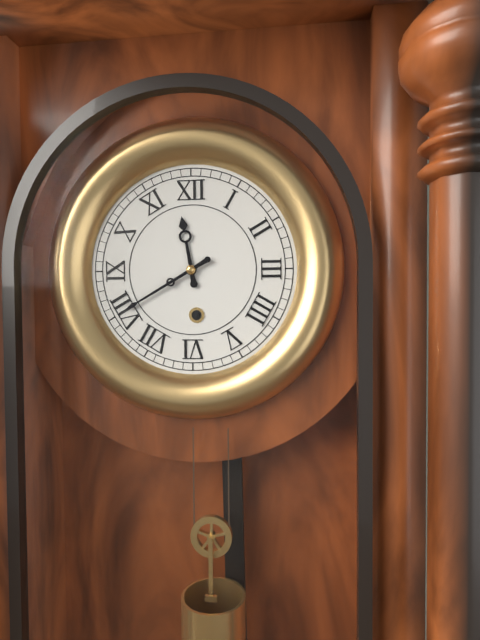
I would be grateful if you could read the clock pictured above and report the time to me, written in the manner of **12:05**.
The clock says **11:40**
